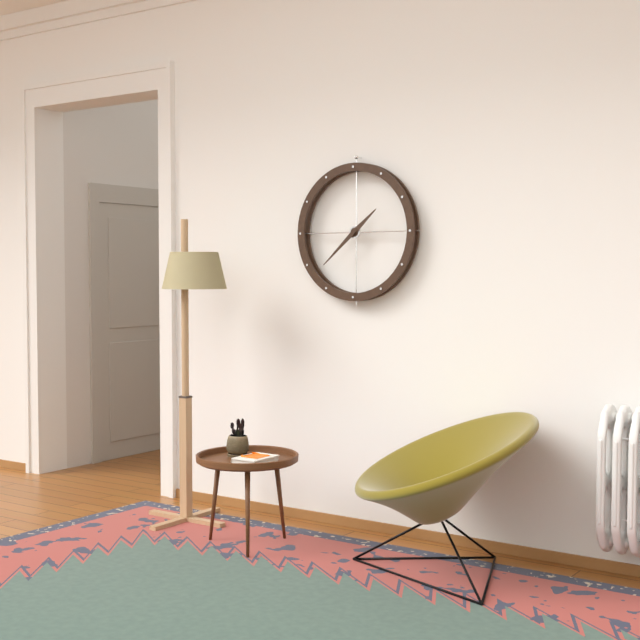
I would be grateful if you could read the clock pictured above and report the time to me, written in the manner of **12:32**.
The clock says **1:38**
